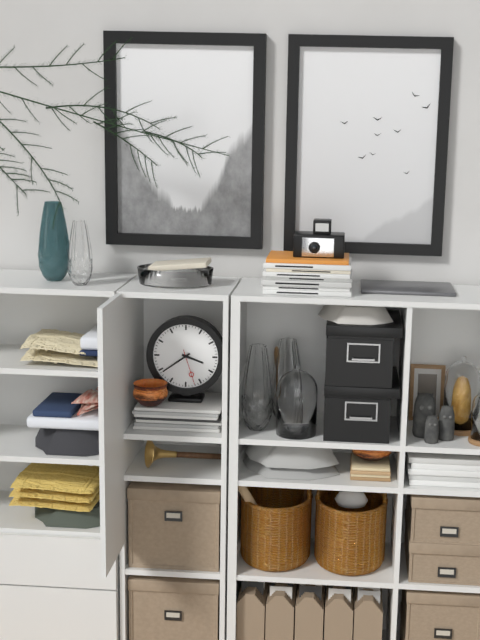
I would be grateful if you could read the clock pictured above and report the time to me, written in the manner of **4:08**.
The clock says **3:39**
